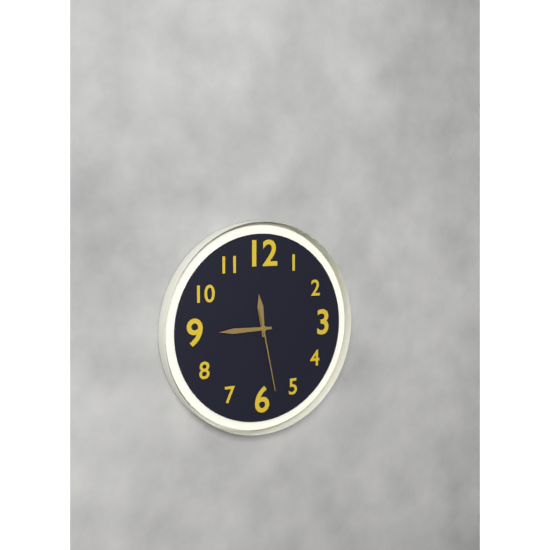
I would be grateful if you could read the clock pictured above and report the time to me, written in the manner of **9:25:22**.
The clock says **11:45:28**
